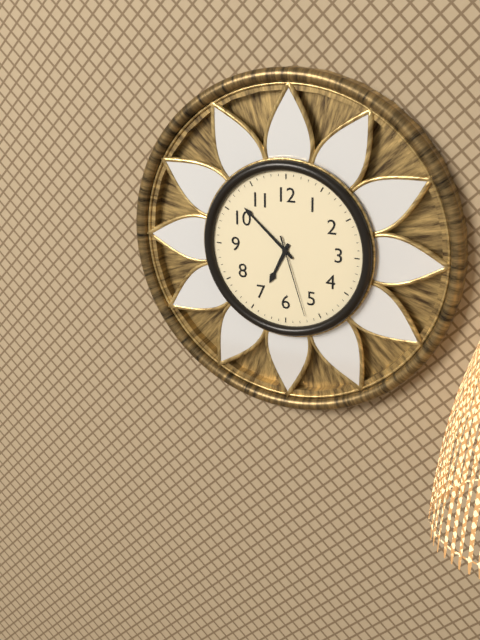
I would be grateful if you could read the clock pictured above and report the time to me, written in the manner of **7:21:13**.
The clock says **6:52:27**
